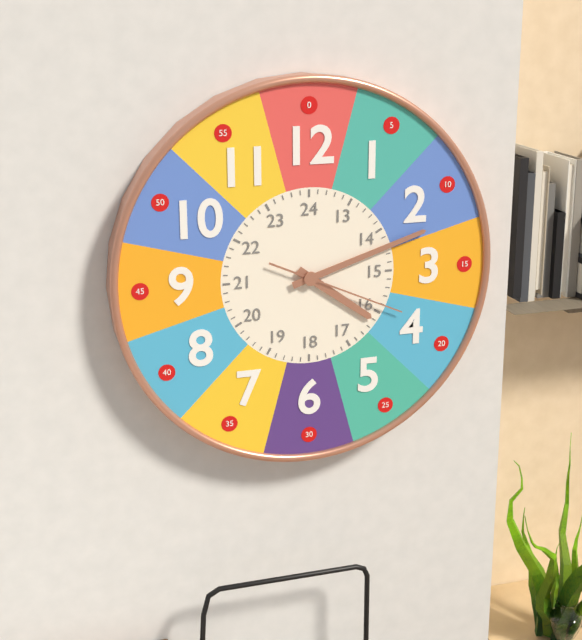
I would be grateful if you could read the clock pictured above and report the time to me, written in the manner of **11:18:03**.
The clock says **4:12:19**
